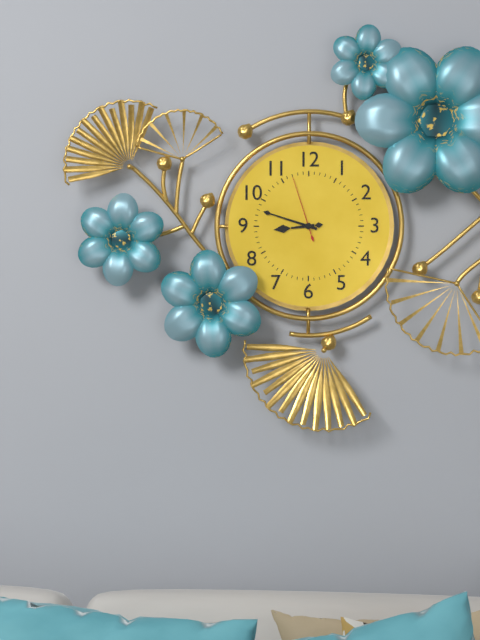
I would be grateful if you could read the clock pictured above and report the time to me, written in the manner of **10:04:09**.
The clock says **8:48:57**
